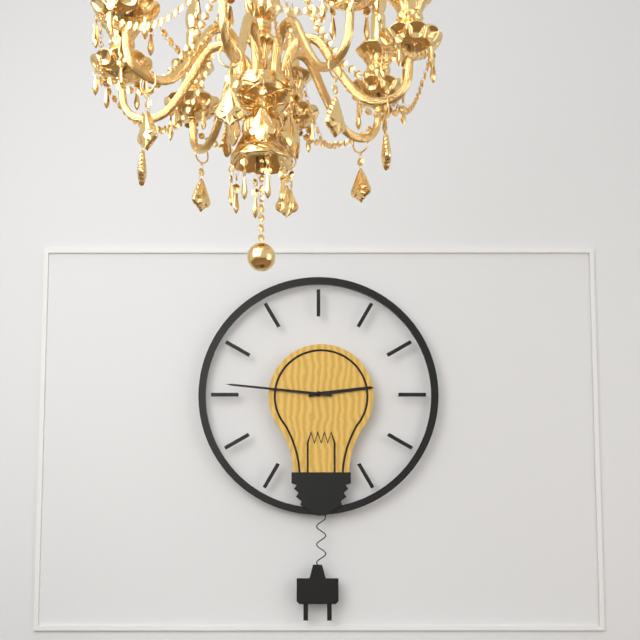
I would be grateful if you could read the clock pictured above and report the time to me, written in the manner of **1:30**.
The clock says **2:46**
